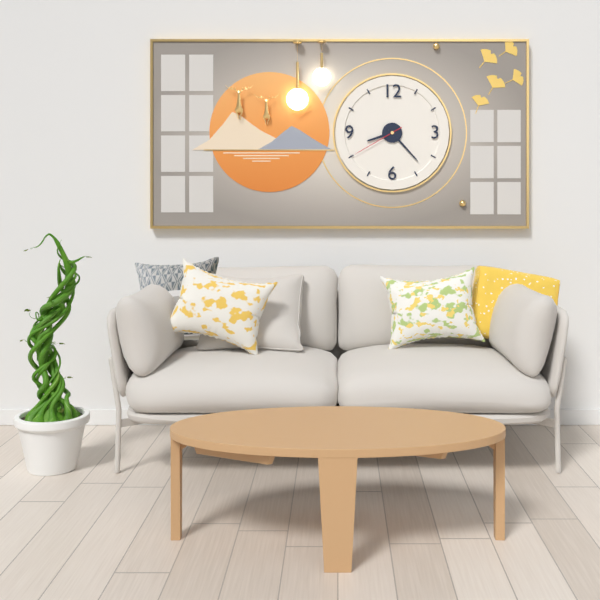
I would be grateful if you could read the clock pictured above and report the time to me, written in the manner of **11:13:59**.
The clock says **8:23:40**
